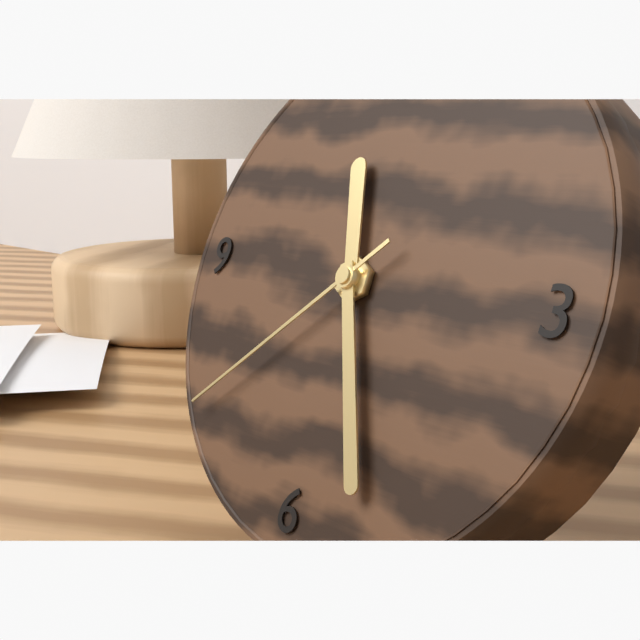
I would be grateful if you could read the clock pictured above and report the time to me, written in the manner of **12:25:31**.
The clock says **11:26:38**
